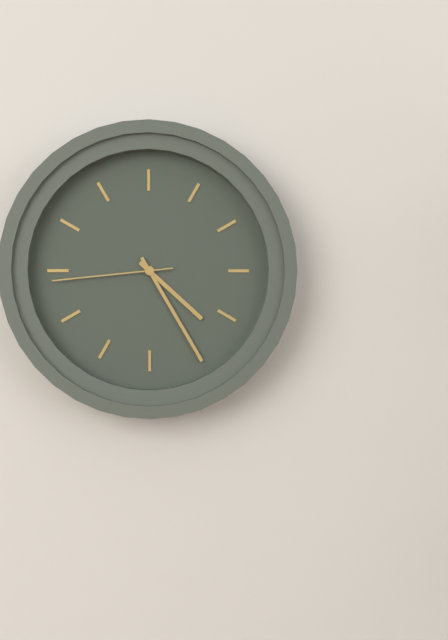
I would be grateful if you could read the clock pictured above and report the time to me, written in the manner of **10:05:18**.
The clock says **4:25:44**
